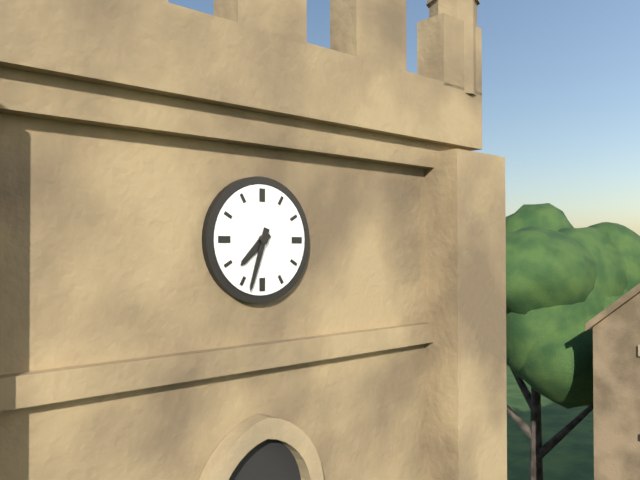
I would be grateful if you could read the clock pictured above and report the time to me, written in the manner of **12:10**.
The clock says **7:33**
